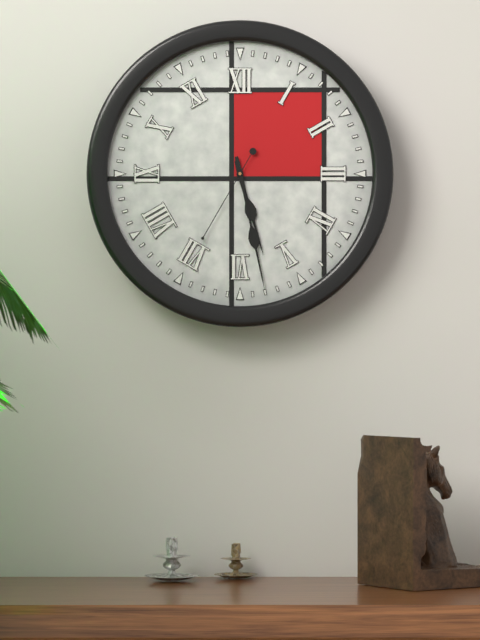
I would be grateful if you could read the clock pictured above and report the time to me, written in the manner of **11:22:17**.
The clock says **5:28:35**
